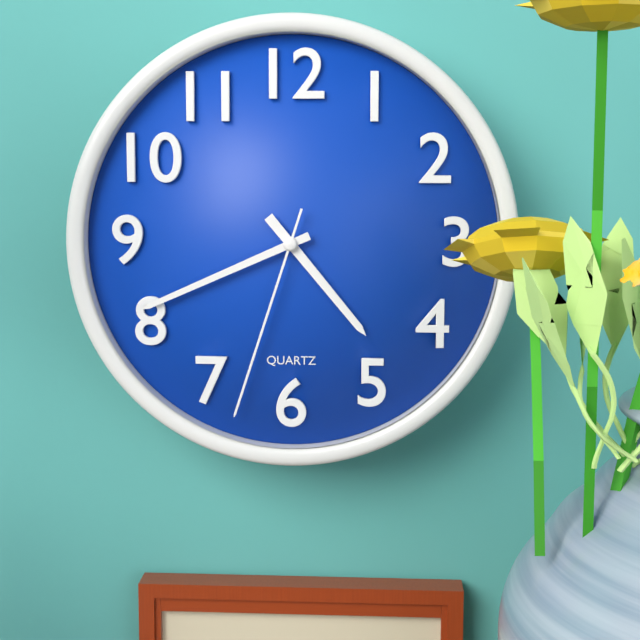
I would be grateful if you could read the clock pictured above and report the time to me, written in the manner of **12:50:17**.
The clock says **4:41:33**
